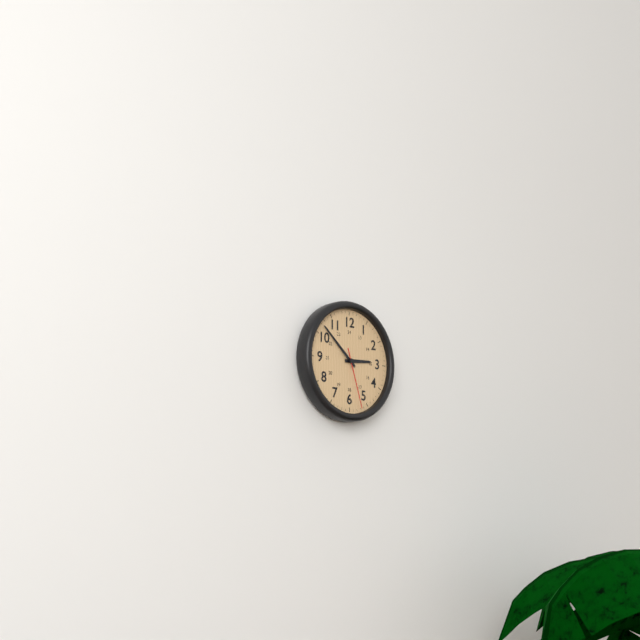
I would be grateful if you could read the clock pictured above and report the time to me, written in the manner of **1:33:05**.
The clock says **2:52:27**
